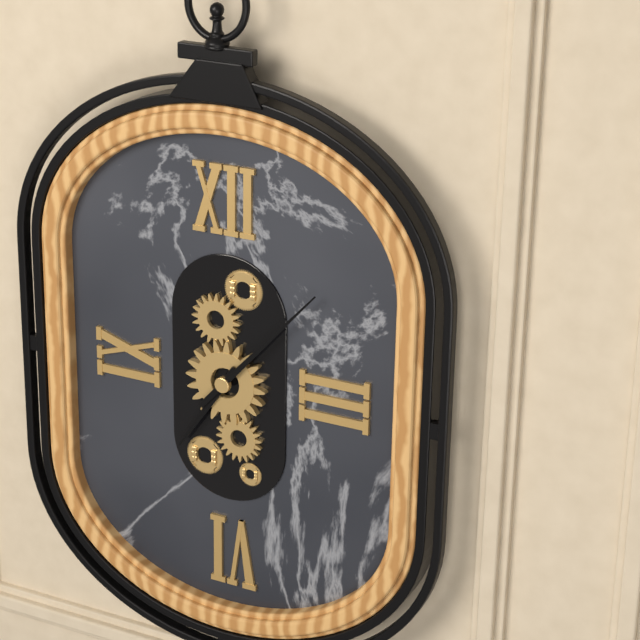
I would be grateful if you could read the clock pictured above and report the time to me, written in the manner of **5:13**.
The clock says **7:07**
